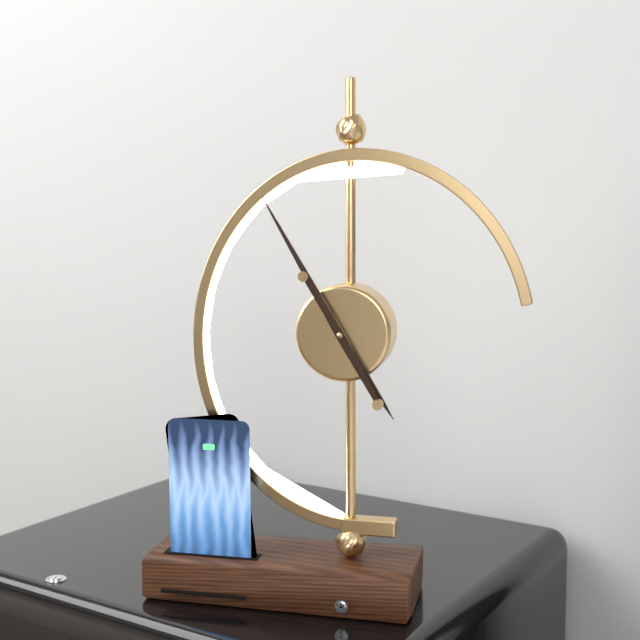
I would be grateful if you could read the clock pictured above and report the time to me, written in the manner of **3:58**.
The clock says **4:55**
